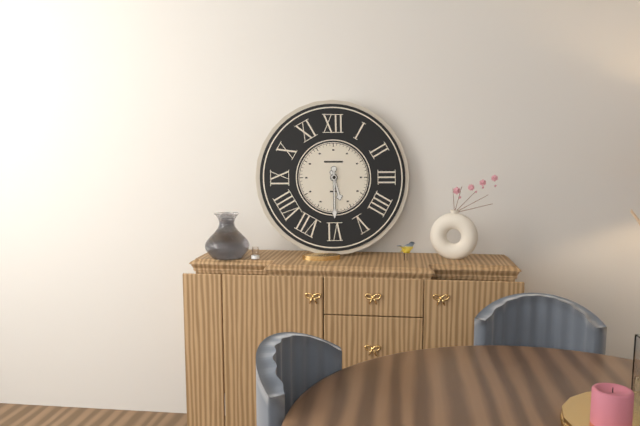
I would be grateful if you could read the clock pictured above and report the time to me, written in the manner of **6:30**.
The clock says **5:30**
